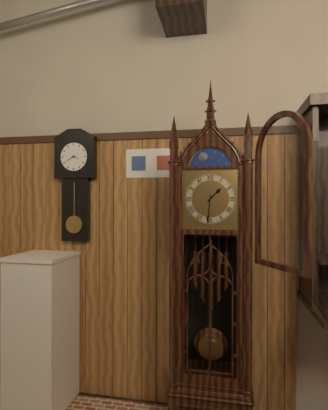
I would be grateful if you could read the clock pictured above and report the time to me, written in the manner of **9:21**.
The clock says **1:31**
